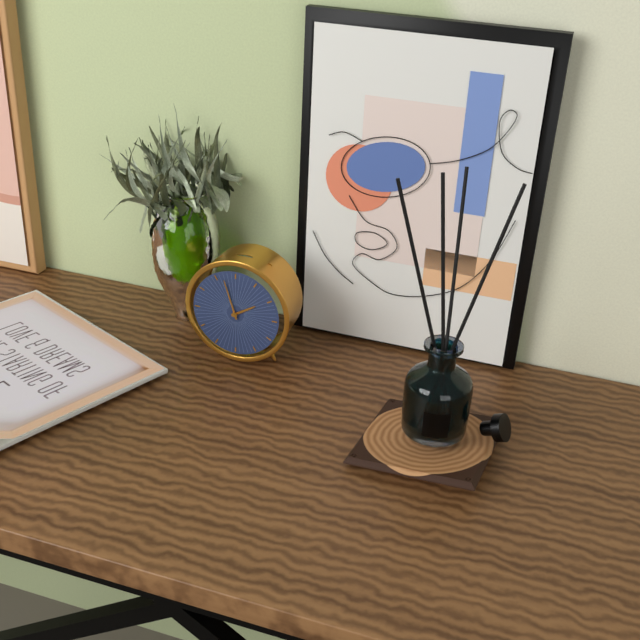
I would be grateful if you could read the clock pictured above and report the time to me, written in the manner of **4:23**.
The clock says **1:57**
